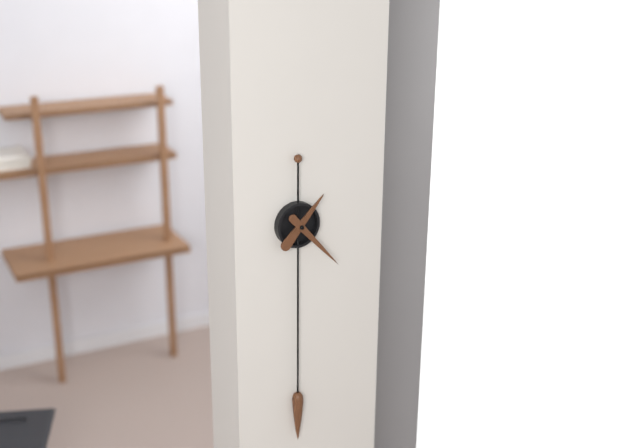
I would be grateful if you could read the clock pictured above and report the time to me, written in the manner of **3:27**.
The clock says **1:23**
